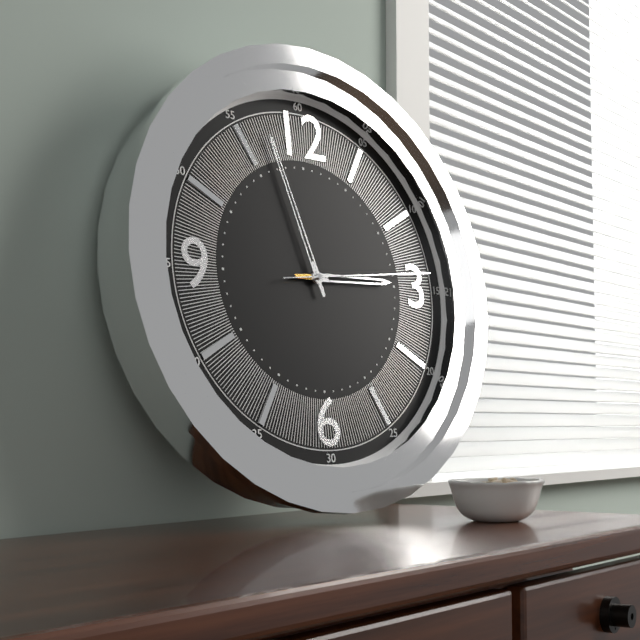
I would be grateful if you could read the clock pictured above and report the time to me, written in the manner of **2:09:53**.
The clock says **2:57:14**
